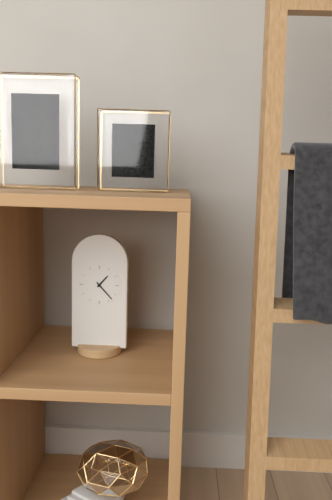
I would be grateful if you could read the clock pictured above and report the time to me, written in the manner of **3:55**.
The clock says **1:23**
